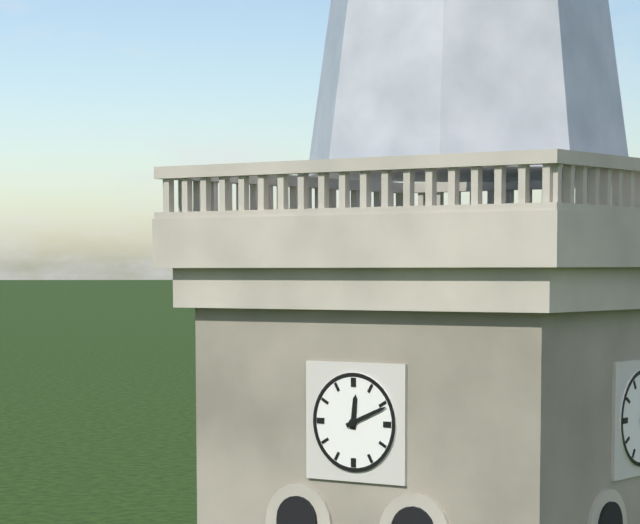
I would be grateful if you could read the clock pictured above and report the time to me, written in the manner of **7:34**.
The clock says **12:11**
